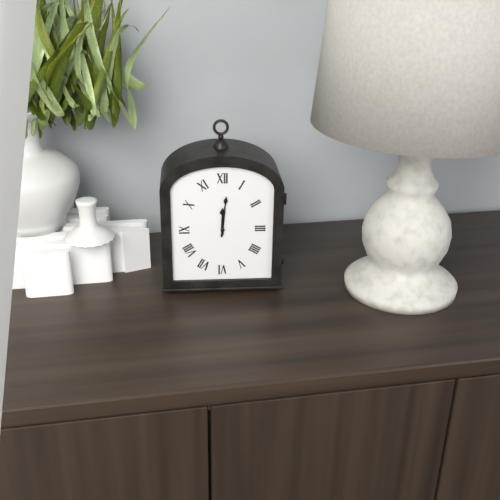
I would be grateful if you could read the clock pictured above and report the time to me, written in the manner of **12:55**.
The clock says **12:01**
